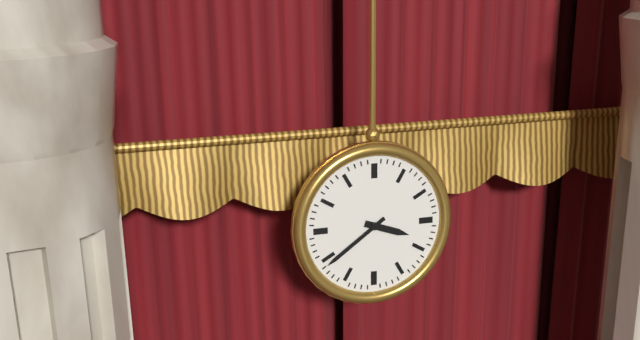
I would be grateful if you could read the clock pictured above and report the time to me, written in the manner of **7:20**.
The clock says **3:39**
